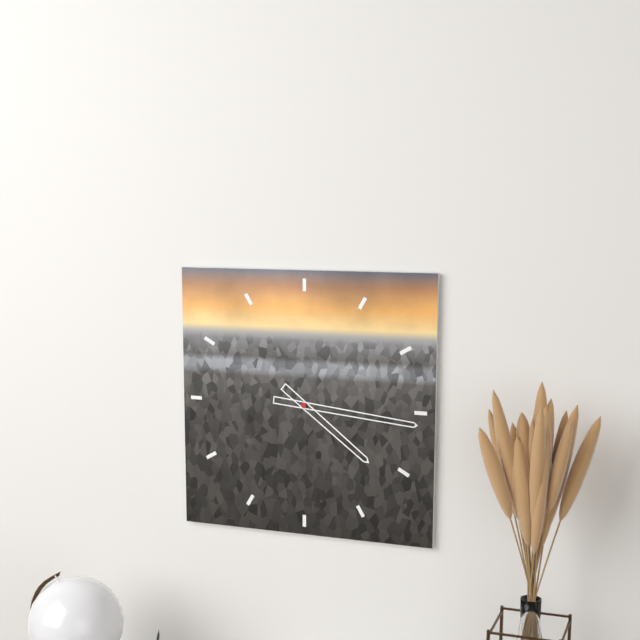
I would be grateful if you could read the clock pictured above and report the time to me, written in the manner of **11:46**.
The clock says **4:16**
